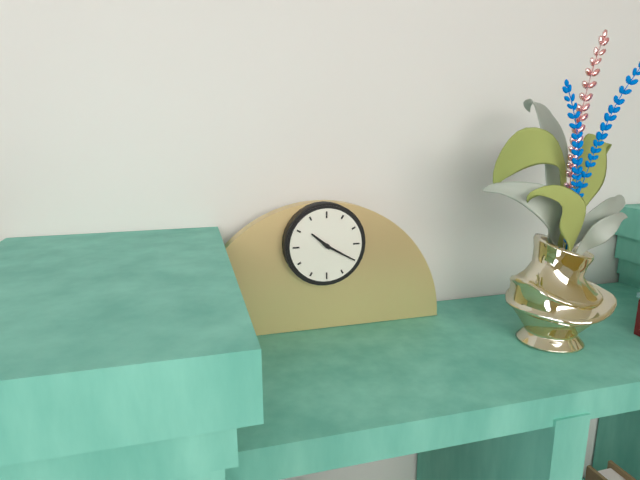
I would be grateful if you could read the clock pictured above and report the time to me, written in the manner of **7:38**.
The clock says **10:20**
